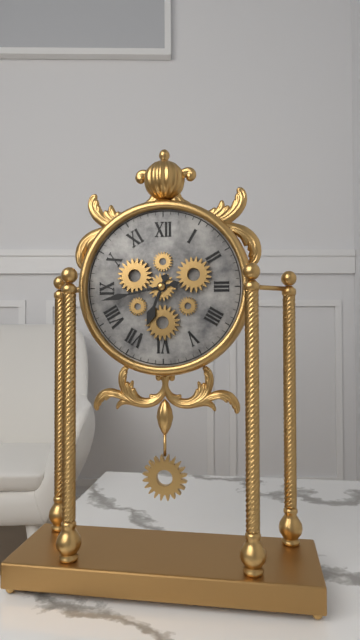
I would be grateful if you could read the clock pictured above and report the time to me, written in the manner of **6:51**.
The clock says **6:43**
